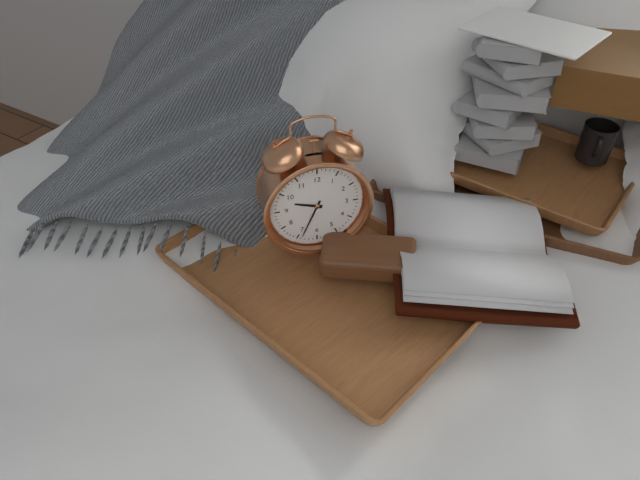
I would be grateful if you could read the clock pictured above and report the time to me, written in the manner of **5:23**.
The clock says **9:34**
